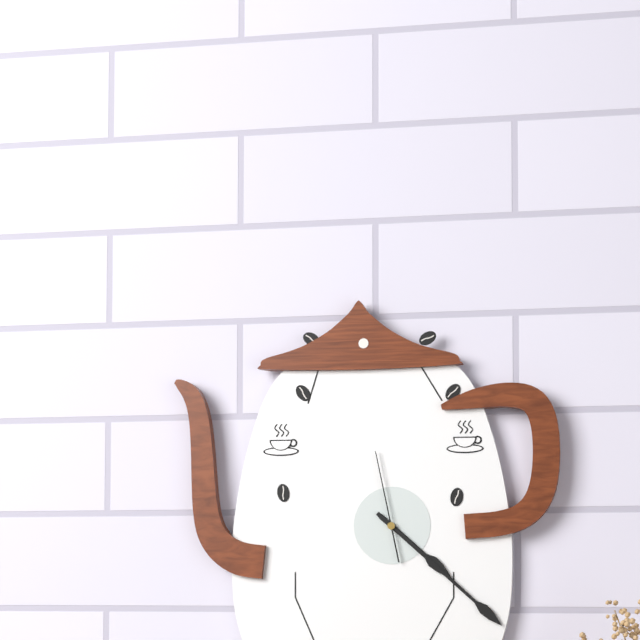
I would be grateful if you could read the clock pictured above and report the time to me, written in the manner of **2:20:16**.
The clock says **4:22:58**
